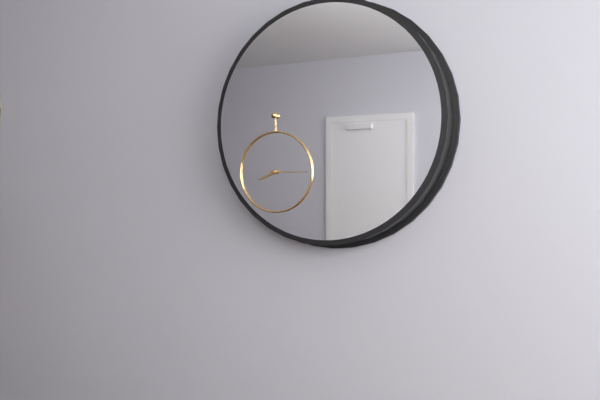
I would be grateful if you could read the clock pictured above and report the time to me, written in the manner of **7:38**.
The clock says **8:15**
